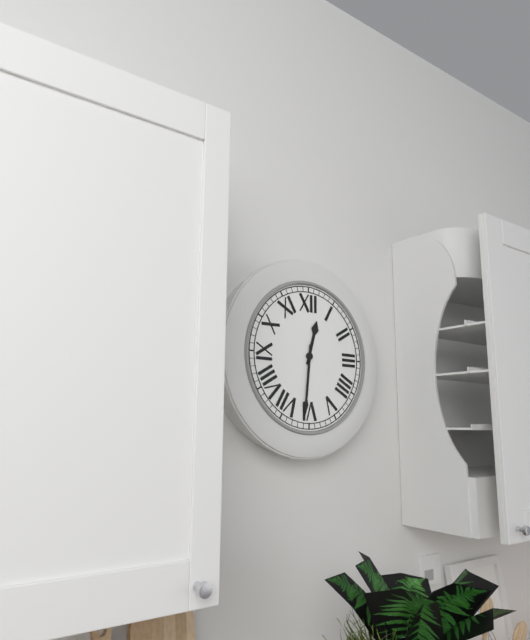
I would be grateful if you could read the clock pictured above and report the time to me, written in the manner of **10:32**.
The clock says **12:31**
